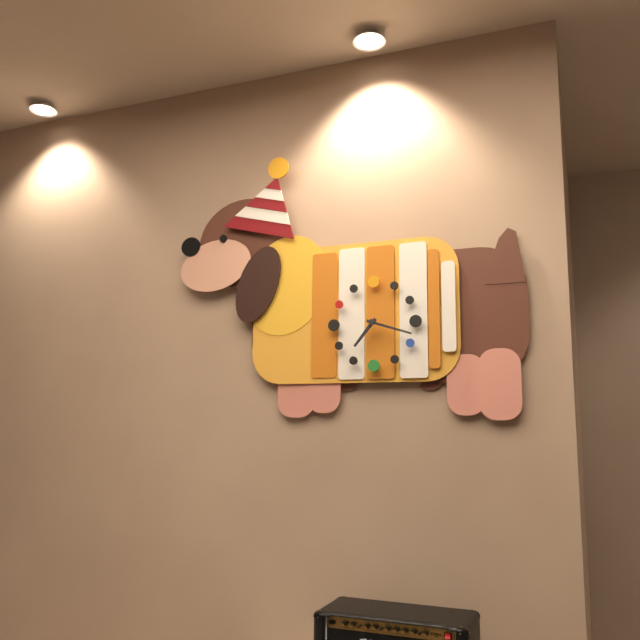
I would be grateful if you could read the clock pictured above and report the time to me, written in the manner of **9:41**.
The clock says **7:18**
